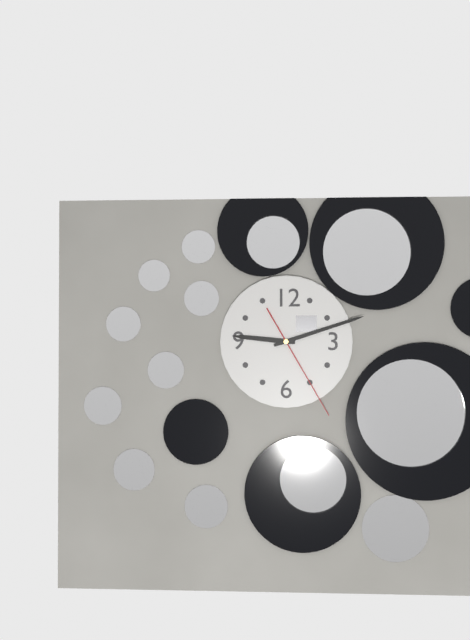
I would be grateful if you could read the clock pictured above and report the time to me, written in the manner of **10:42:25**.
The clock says **9:12:25**
